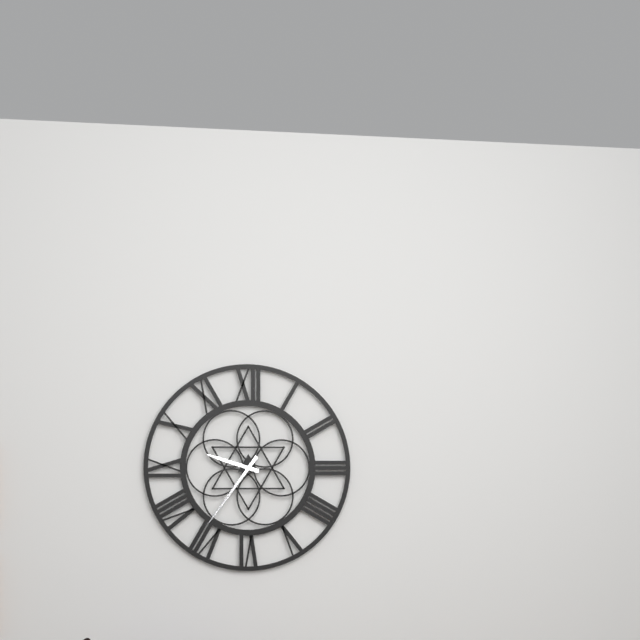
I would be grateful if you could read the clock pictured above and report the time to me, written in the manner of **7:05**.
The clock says **9:36**
